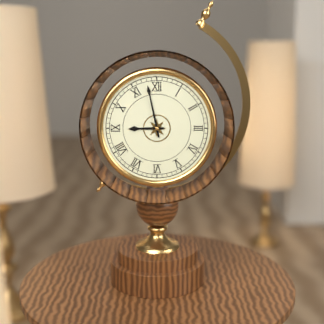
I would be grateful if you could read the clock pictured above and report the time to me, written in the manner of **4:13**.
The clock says **8:58**
